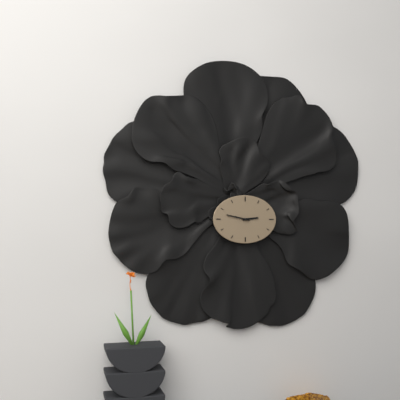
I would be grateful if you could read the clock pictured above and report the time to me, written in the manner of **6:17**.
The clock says **2:47**
